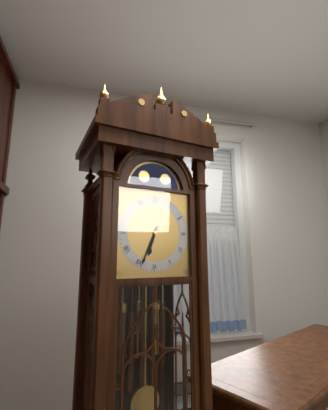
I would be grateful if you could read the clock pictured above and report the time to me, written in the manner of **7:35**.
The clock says **6:34**
